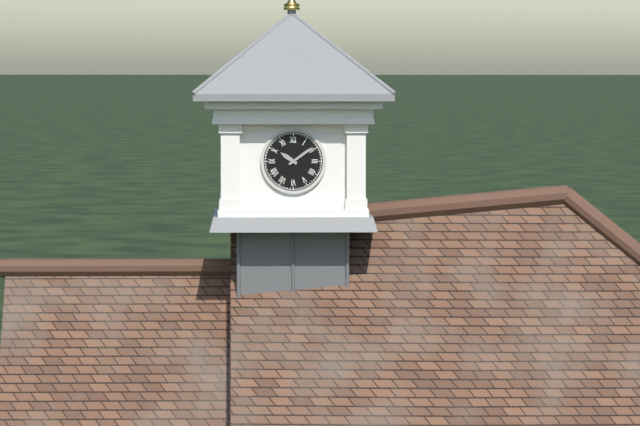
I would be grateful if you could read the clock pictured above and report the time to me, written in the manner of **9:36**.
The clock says **10:09**
